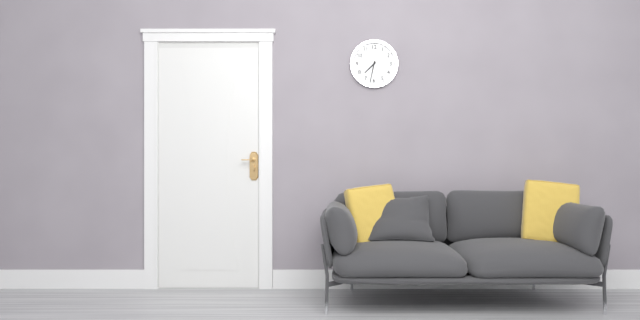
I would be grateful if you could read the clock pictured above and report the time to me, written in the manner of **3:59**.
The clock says **7:32**
